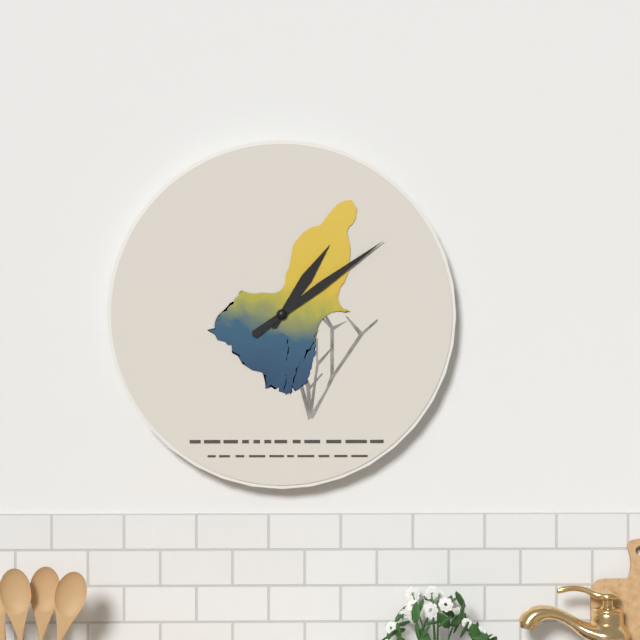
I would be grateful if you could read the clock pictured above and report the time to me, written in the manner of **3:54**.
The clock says **1:09**
